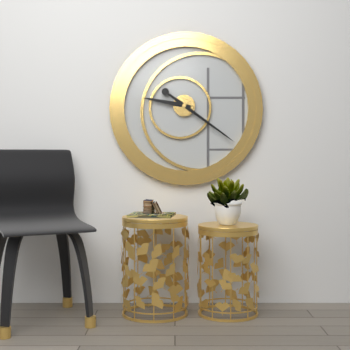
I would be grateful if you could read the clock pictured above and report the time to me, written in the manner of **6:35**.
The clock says **9:21**
